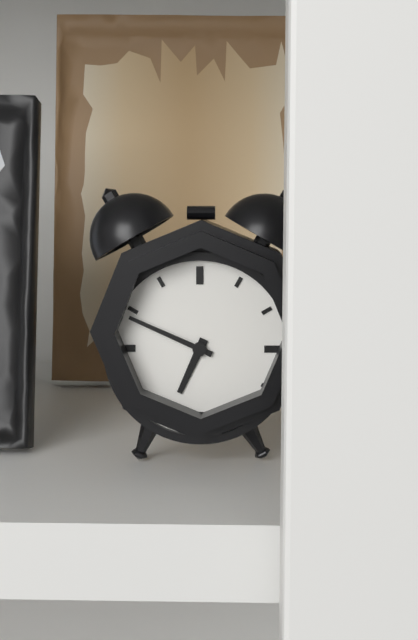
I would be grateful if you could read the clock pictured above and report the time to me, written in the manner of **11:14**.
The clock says **6:49**
